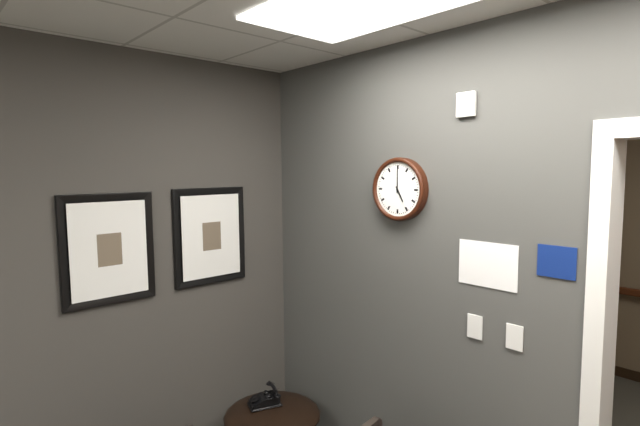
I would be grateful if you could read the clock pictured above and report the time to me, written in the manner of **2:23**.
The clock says **5:00**
